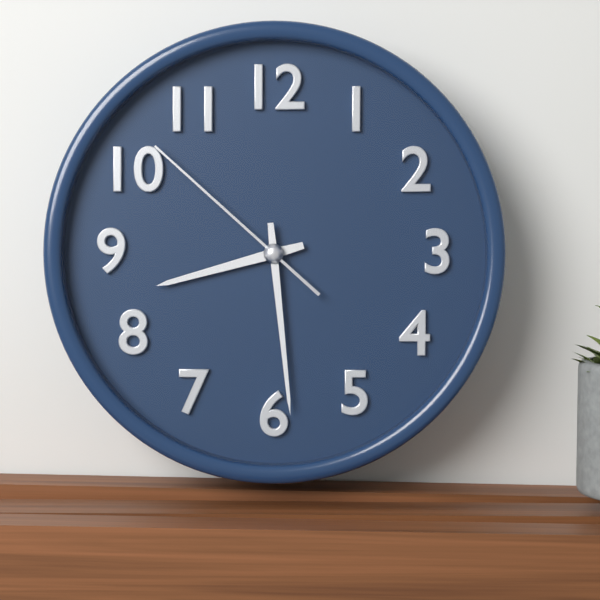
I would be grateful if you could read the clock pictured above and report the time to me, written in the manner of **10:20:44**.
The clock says **8:29:52**
